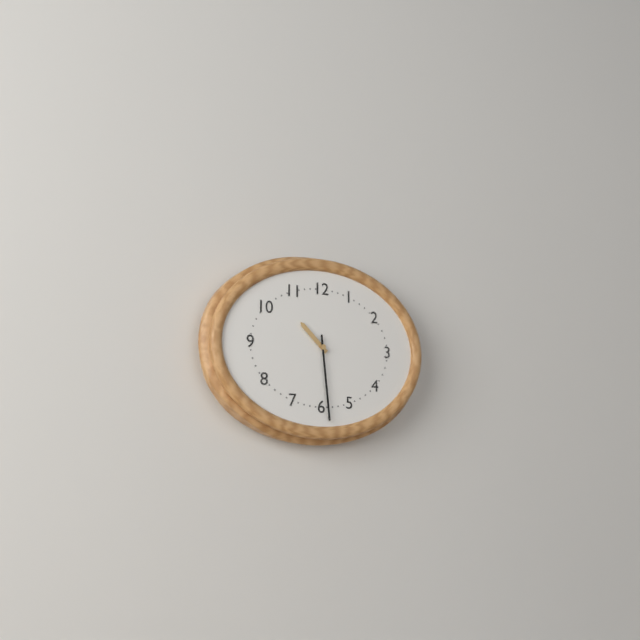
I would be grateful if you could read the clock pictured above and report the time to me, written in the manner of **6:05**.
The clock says **10:29**
